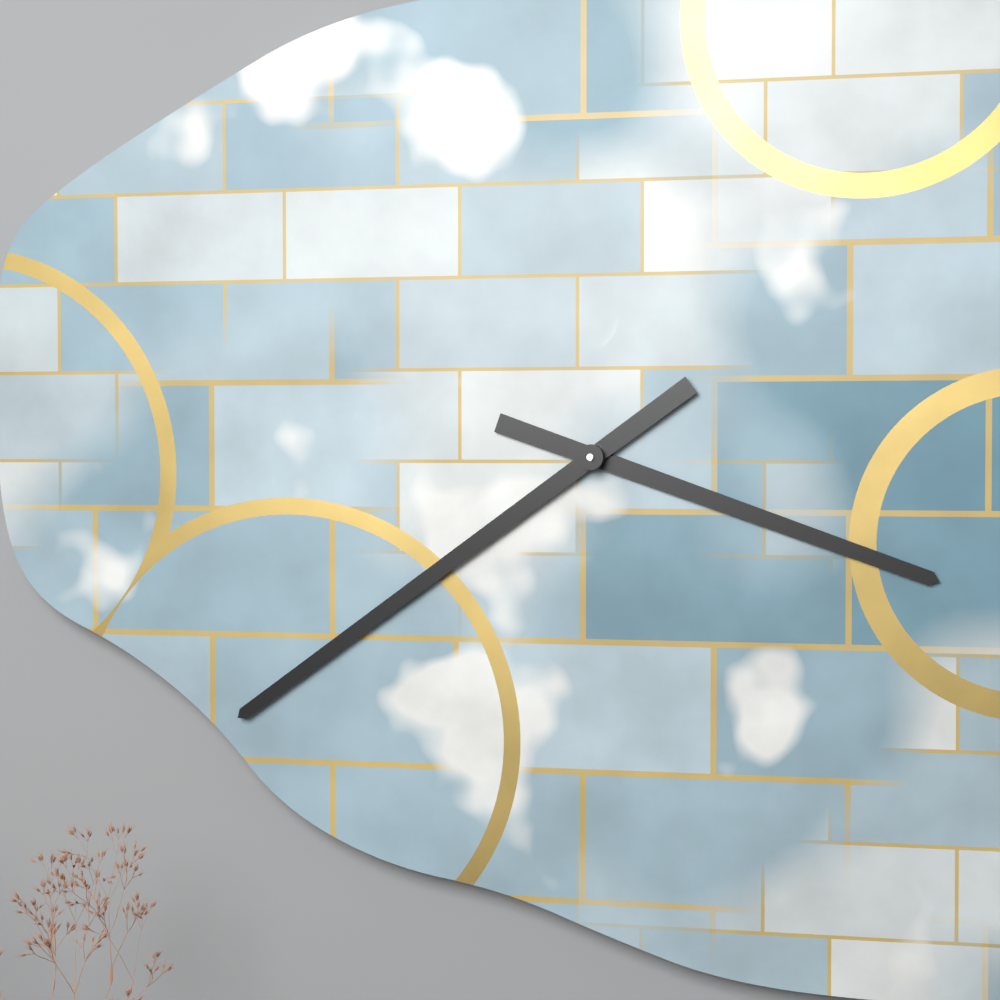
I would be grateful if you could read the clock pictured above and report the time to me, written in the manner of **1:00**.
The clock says **3:39**
